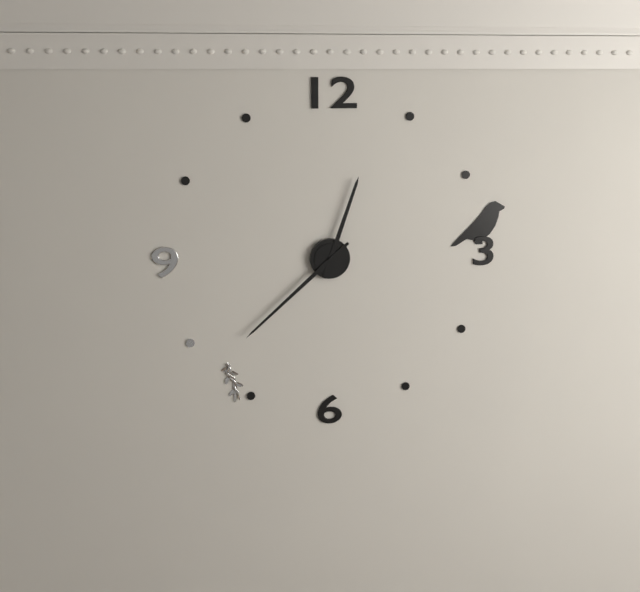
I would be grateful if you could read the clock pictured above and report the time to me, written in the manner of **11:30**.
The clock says **12:38**
